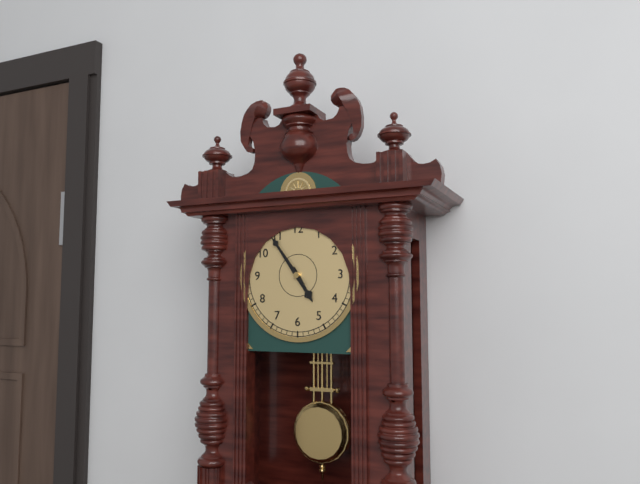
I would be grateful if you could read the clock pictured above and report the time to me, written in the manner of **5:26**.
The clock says **4:54**
